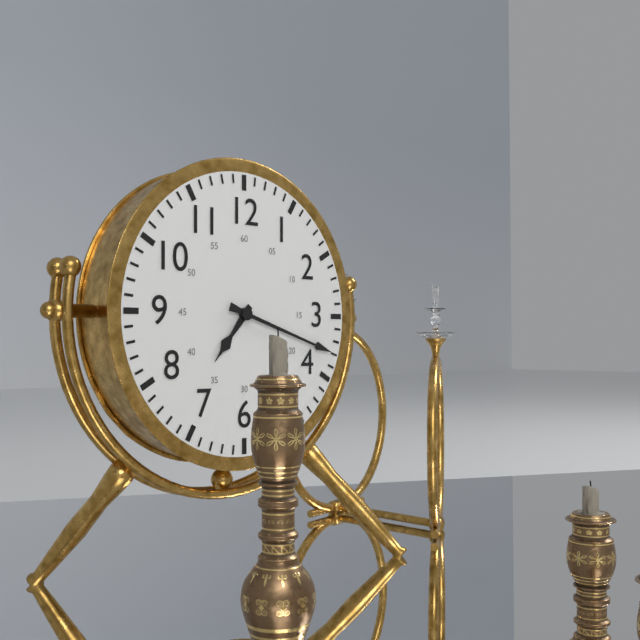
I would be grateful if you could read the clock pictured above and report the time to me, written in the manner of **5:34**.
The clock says **7:18**
